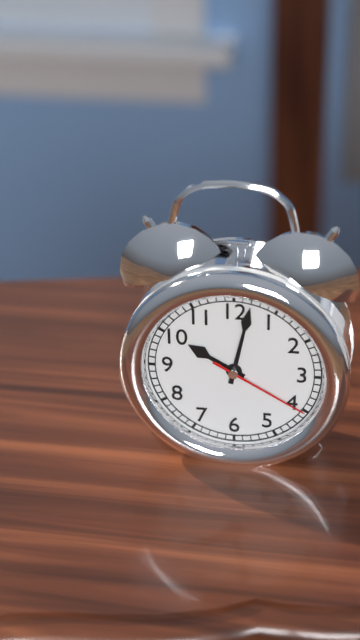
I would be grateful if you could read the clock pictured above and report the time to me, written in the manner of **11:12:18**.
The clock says **10:02:20**
